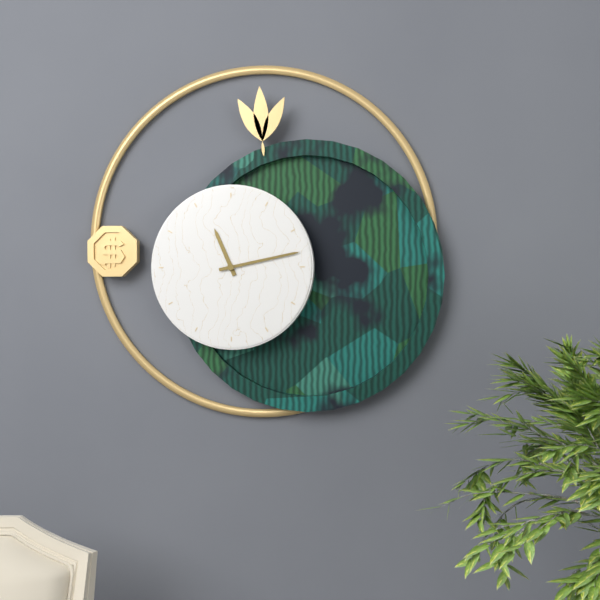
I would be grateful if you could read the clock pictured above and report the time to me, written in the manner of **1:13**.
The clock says **11:13**
